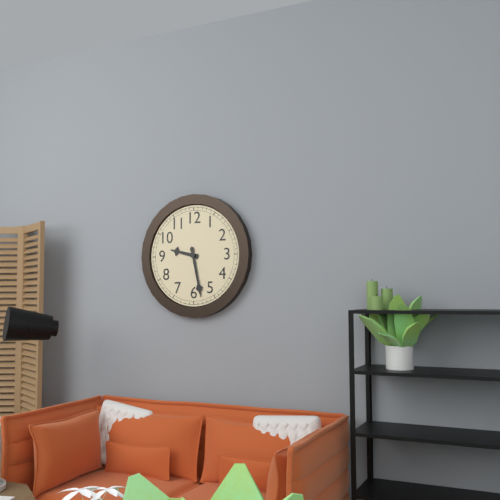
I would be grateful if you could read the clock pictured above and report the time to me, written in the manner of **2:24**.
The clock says **9:28**
